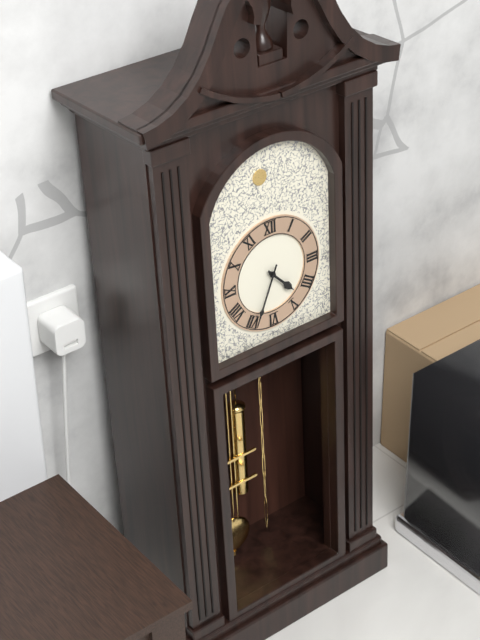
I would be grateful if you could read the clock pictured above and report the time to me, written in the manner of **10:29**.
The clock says **4:34**
